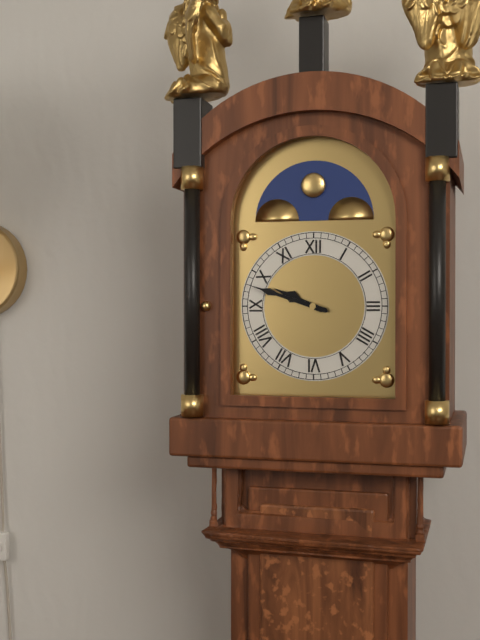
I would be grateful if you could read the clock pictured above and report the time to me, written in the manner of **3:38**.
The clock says **9:48**
